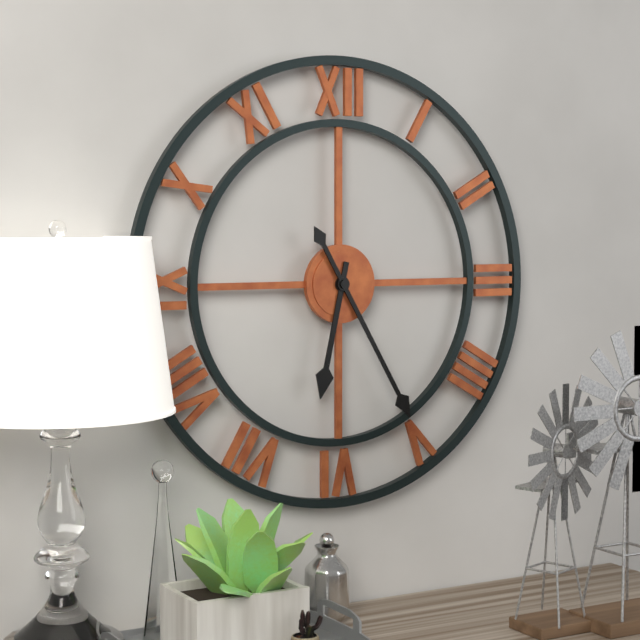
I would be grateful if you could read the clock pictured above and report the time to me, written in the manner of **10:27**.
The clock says **6:25**
